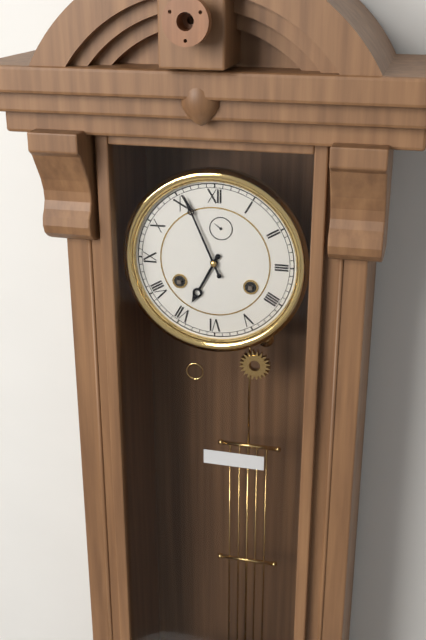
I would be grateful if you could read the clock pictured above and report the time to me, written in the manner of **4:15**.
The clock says **6:56**
